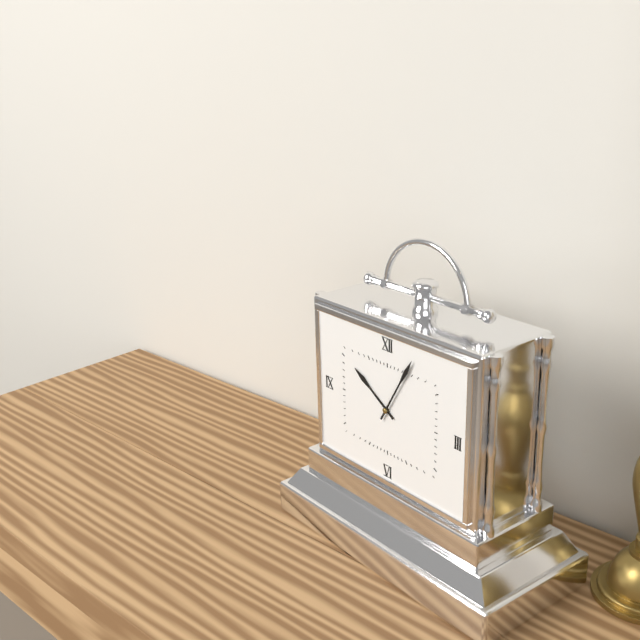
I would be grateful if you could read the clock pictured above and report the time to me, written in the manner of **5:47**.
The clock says **10:05**
